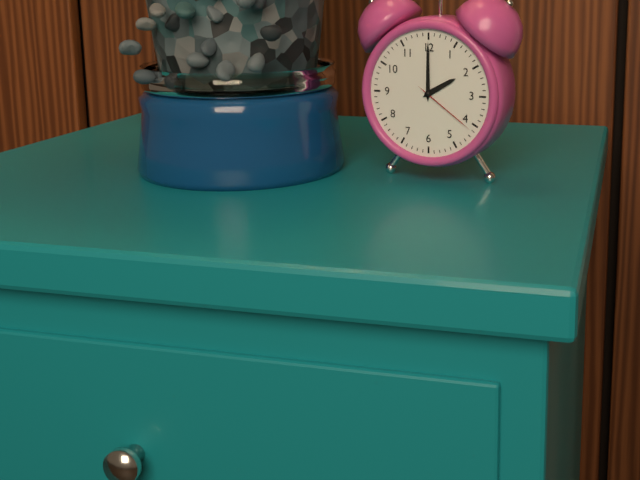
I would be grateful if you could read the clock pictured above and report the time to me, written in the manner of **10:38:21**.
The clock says **2:00:21**
